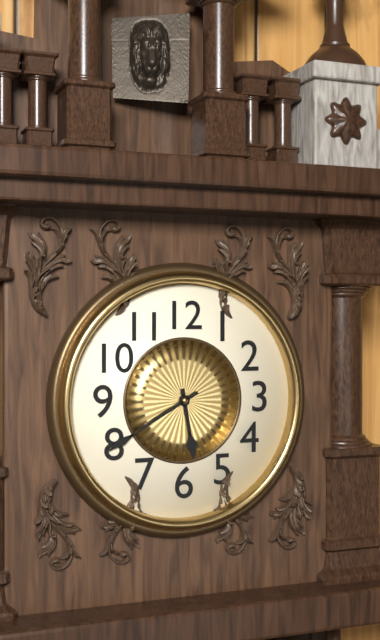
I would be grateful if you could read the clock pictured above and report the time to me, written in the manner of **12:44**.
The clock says **5:40**
